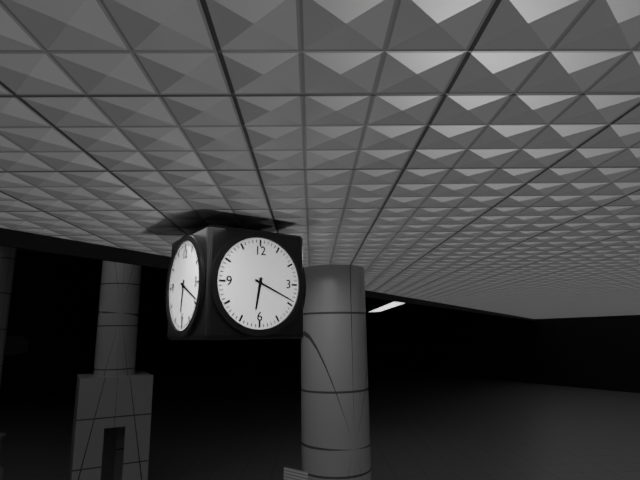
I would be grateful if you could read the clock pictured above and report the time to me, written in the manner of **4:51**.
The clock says **6:19**
